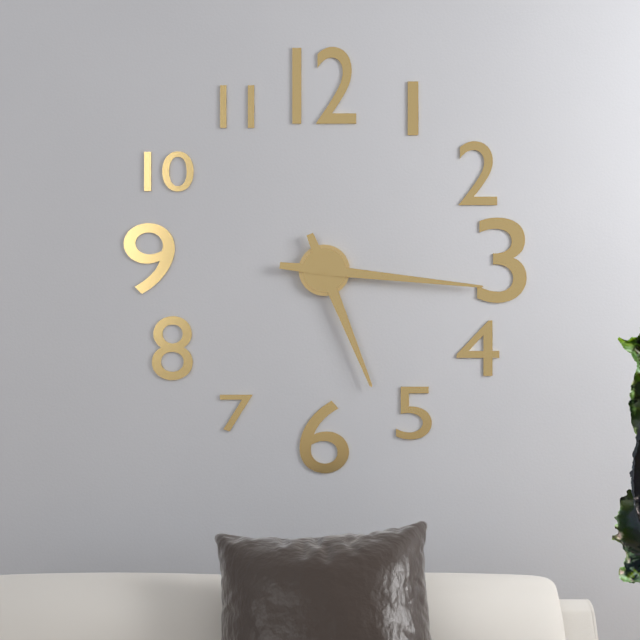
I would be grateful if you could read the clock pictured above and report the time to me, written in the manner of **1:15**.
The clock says **5:16**
